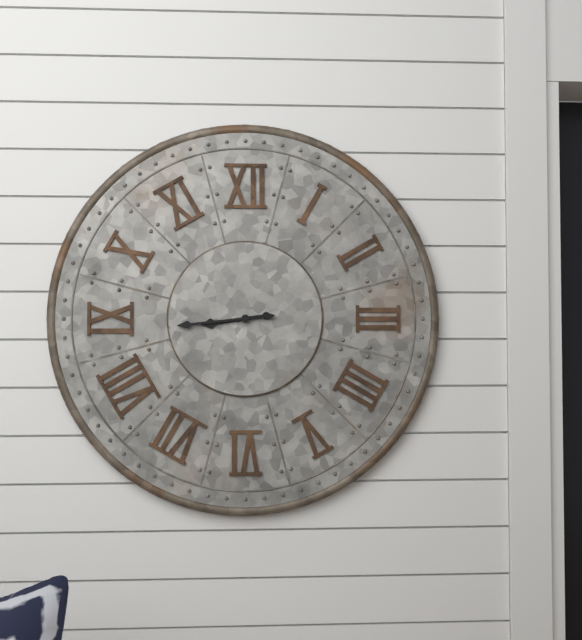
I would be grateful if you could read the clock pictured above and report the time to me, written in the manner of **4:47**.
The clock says **8:44**
